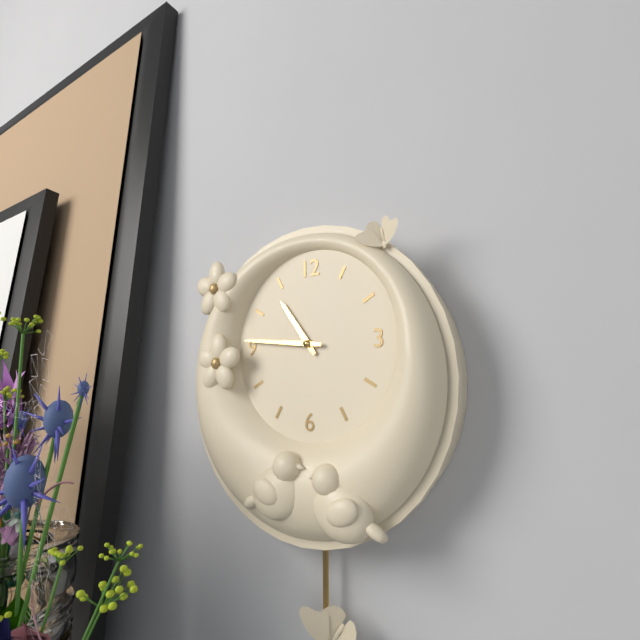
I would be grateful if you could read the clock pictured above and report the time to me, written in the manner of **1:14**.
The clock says **10:46**
